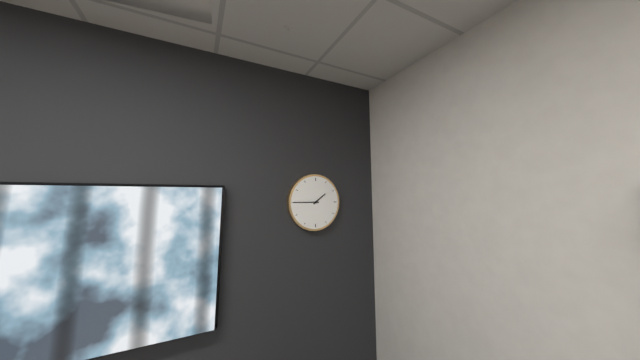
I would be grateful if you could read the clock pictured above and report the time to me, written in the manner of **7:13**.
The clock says **1:45**
